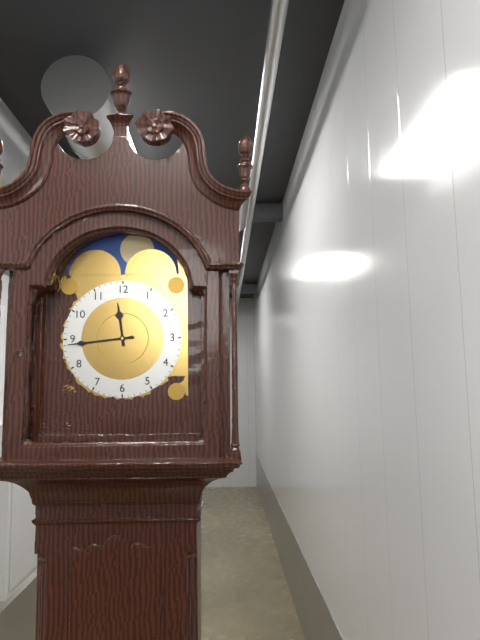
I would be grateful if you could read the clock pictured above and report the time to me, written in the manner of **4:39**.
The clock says **11:44**
